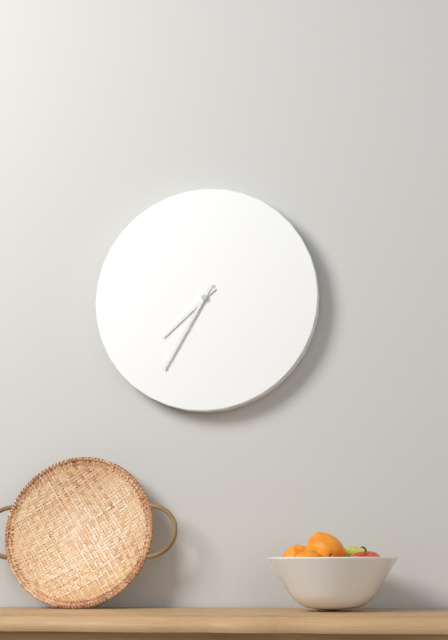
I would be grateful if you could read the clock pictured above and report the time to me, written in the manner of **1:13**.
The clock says **7:35**
